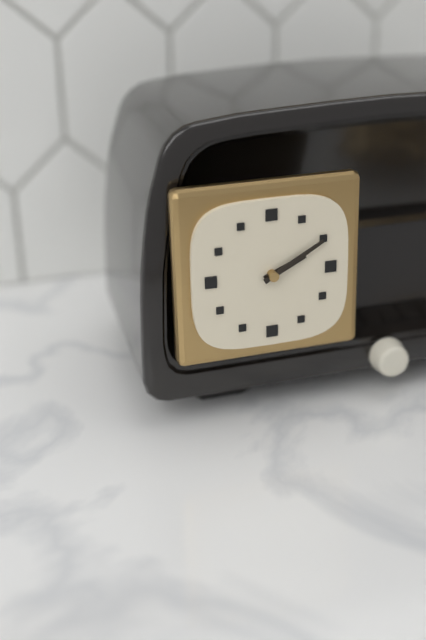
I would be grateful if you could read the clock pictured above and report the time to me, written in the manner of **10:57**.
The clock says **2:10**
